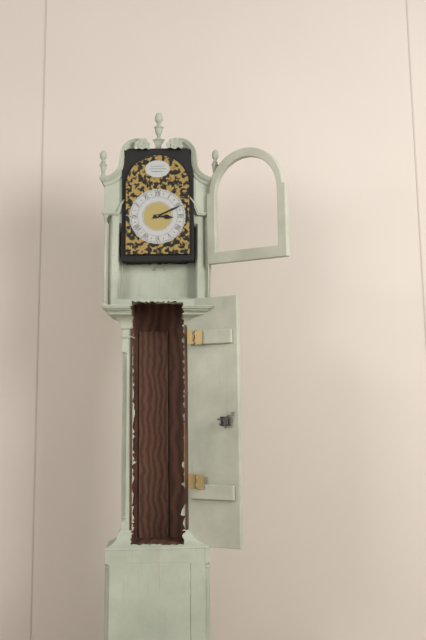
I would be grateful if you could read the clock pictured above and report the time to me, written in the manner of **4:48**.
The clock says **3:11**
